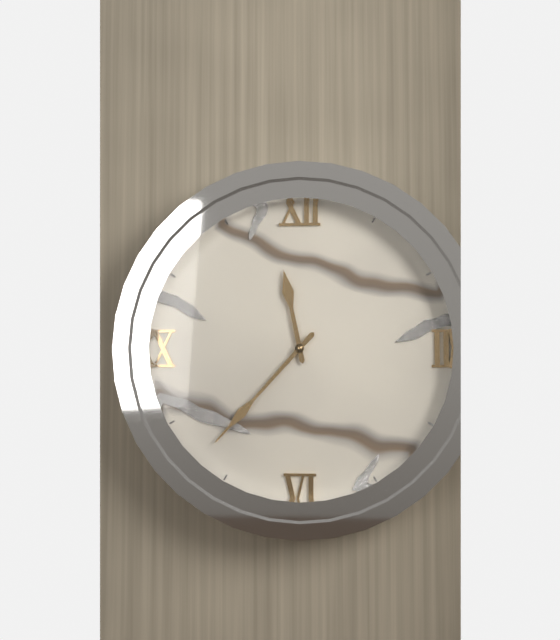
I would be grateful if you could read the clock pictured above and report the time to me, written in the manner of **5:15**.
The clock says **11:37**
